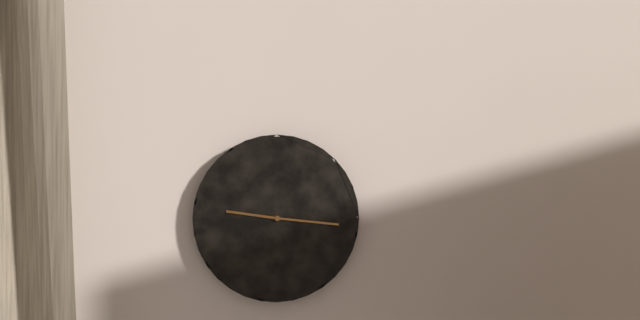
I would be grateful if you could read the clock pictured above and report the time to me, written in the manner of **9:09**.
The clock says **9:16**
